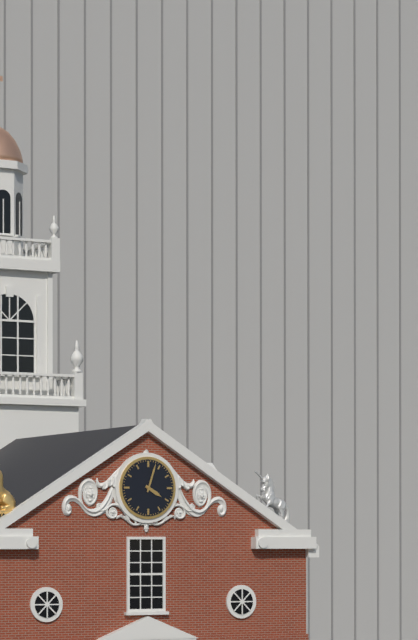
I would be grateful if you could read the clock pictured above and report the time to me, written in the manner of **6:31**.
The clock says **4:03**
